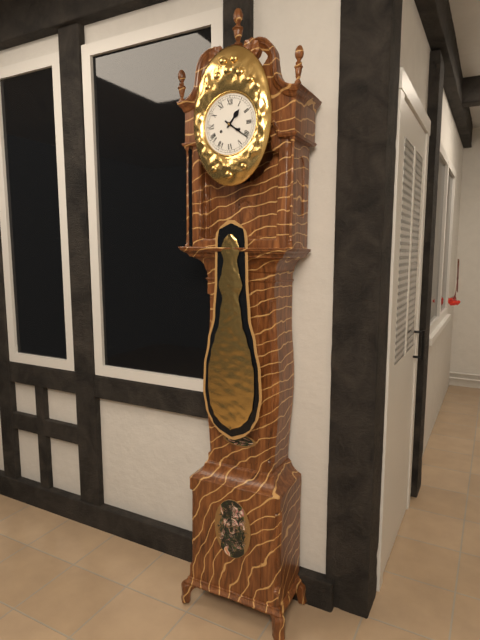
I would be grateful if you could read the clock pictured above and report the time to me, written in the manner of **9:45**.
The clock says **1:21**
